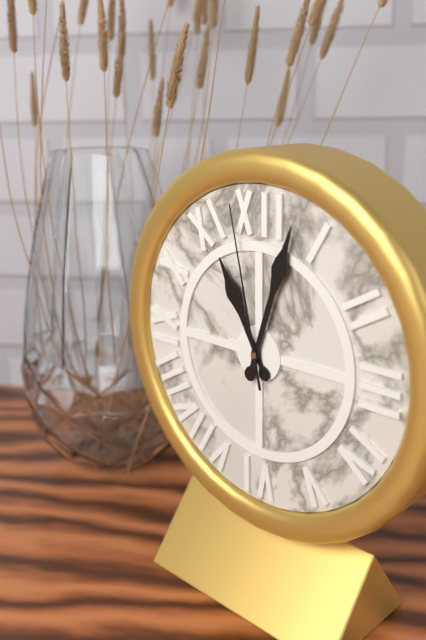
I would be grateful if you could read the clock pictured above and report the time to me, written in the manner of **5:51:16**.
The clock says **11:03:58**
